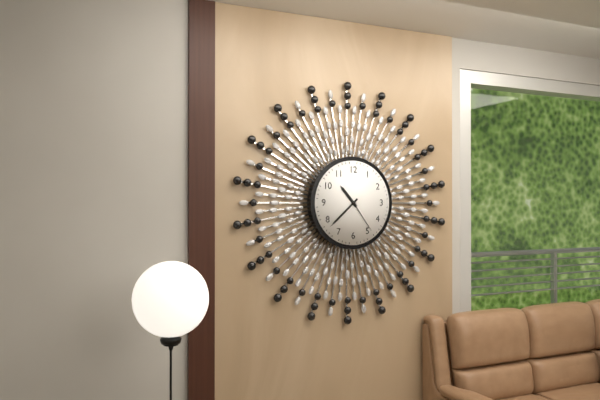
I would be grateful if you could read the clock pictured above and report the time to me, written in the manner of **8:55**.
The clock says **10:38**
